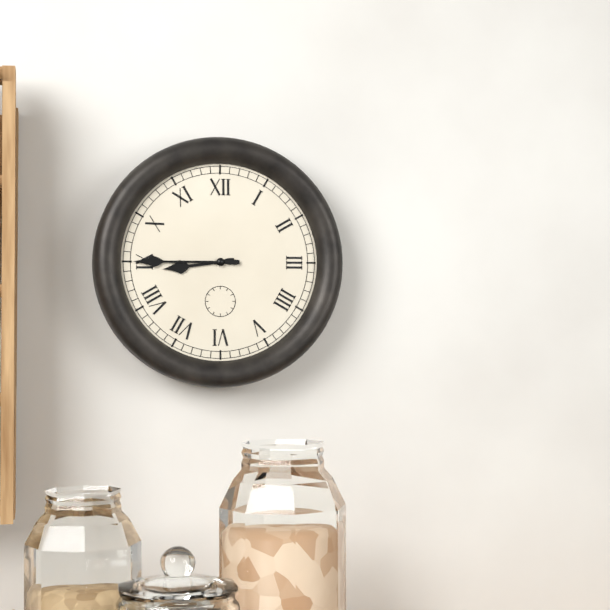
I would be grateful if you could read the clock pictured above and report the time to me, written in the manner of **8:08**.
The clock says **8:45**
